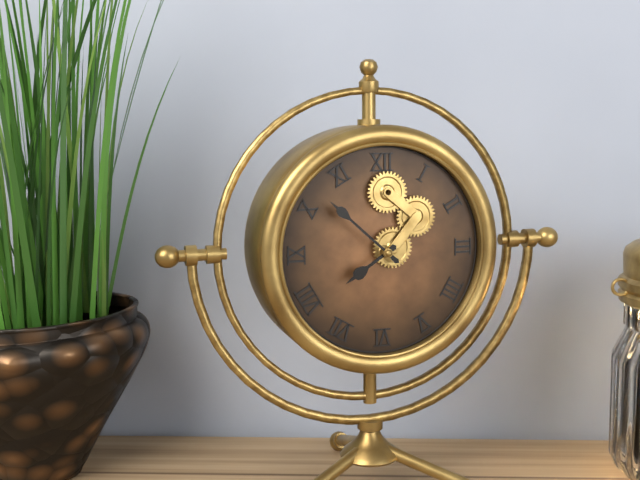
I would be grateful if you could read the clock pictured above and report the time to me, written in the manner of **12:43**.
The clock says **7:52**
